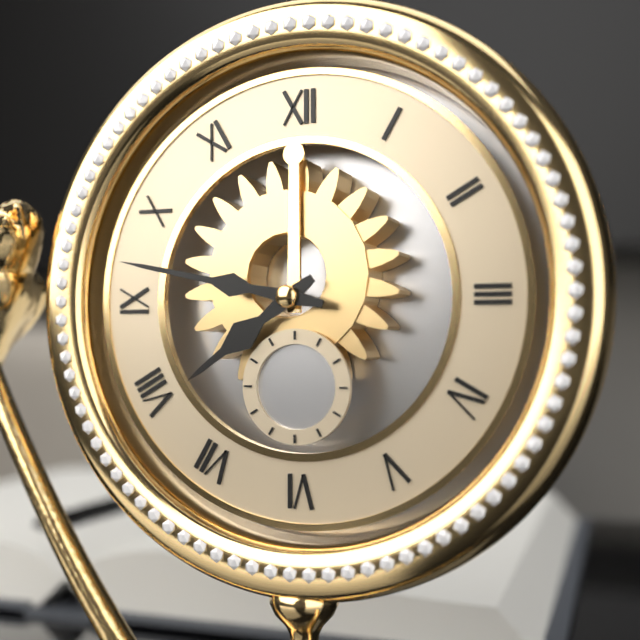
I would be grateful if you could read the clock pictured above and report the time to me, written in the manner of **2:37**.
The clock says **7:47**
